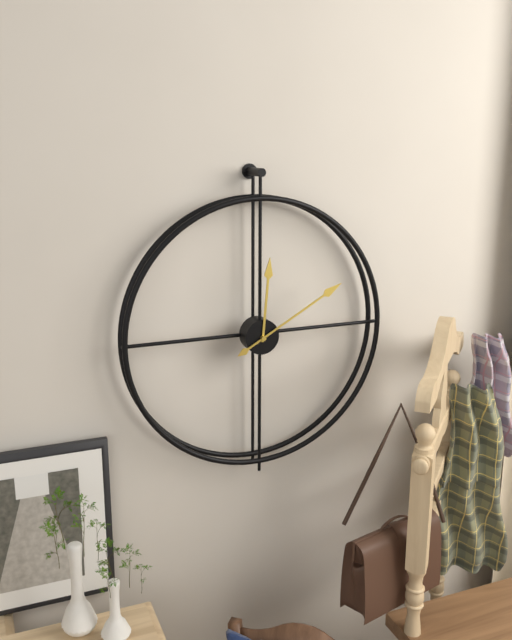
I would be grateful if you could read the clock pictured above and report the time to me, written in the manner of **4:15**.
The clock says **12:10**
